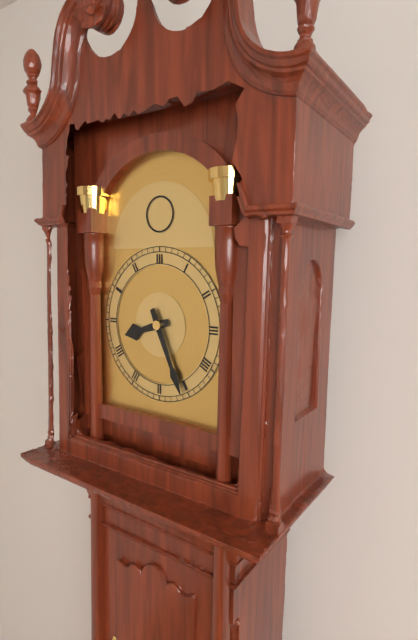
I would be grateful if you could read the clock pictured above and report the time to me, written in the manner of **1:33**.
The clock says **8:26**
